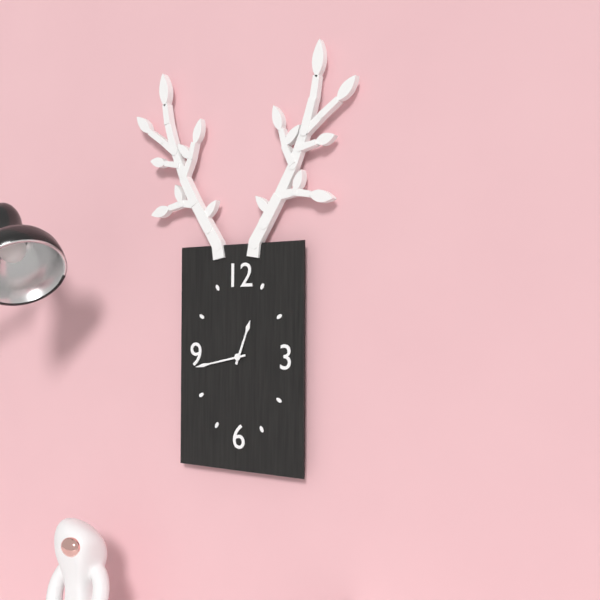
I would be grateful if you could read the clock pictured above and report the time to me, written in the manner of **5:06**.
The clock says **12:43**
